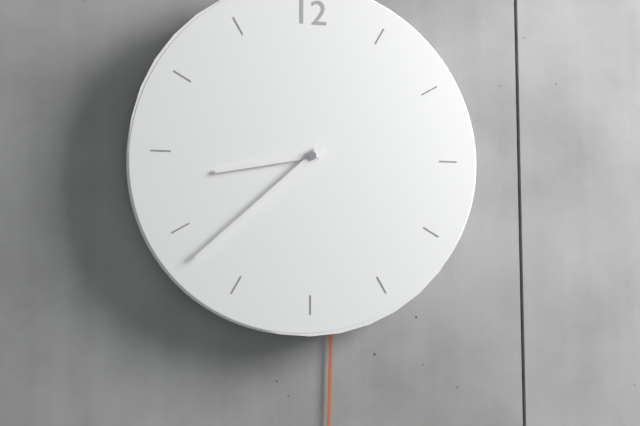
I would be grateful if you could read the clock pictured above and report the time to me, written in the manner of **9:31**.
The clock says **8:38**
